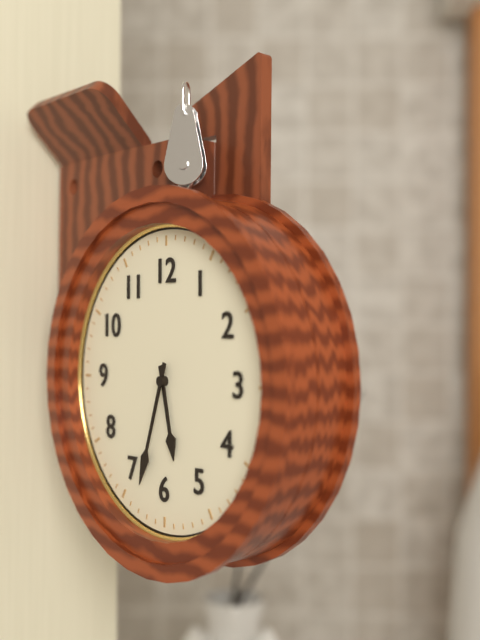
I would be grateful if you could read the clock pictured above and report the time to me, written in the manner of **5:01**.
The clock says **5:33**
